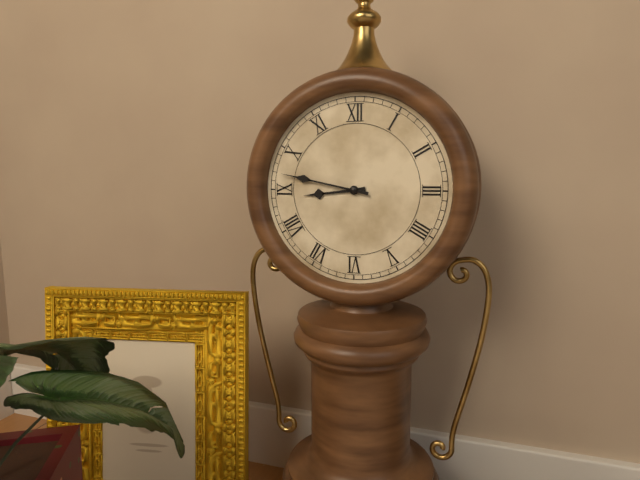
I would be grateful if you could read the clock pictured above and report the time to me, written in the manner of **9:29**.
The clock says **8:47**
